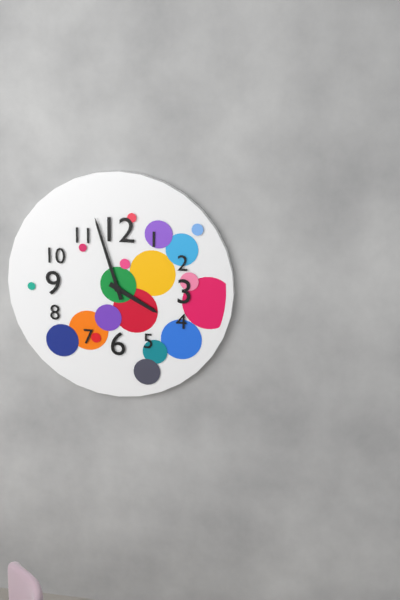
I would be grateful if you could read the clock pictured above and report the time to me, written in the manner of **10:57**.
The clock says **3:57**
